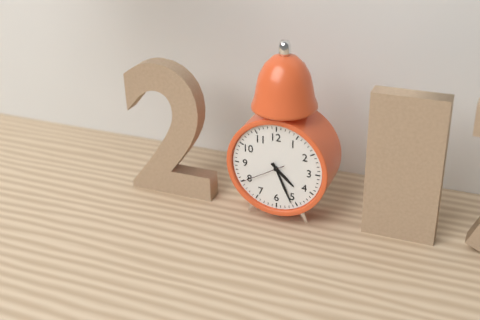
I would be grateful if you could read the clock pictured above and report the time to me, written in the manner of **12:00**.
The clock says **4:26**
